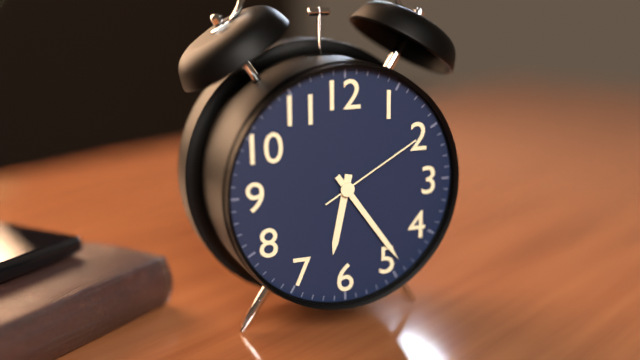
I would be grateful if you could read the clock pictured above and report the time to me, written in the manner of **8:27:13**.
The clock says **6:24:10**
